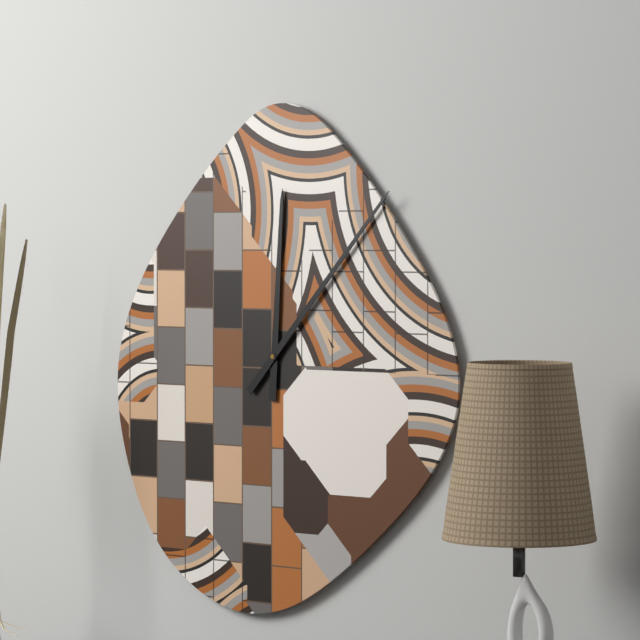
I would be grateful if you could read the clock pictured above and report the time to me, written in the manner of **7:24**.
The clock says **12:07**
